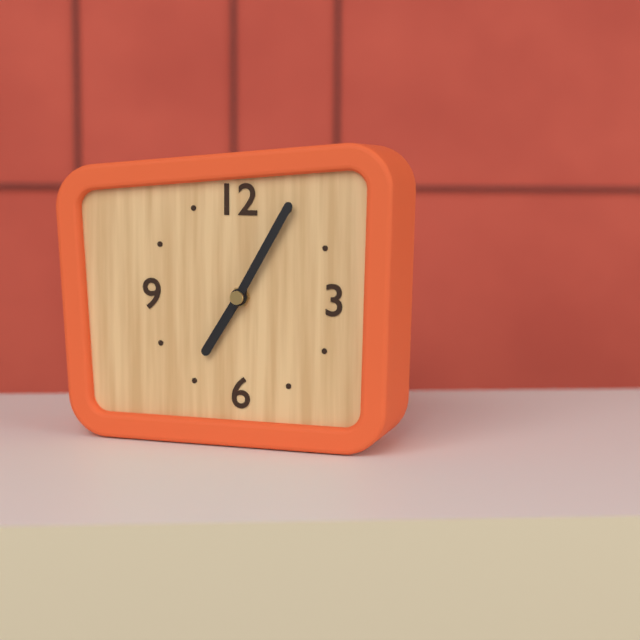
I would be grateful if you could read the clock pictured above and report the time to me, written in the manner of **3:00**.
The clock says **7:05**
